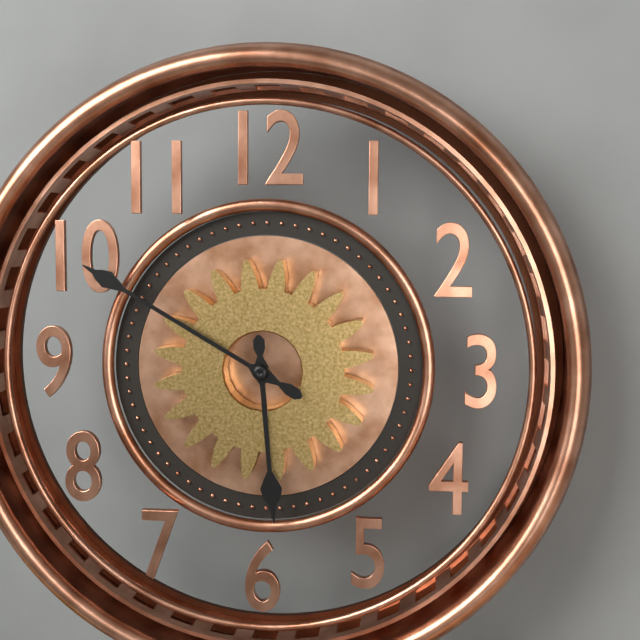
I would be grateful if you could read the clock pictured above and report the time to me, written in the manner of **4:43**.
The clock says **5:50**
